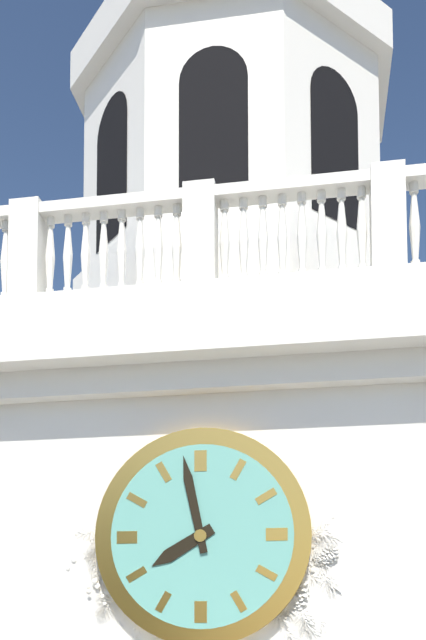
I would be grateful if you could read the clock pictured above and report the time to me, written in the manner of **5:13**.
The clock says **7:58**
